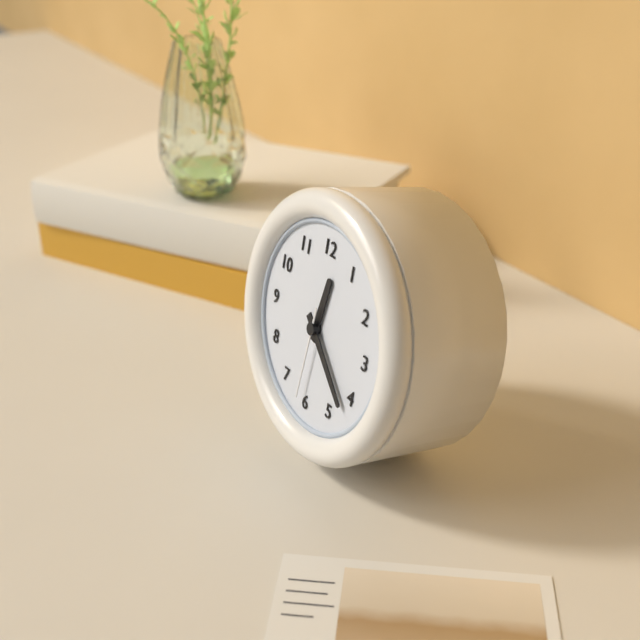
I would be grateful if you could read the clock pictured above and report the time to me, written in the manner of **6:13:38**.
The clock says **12:22:31**
